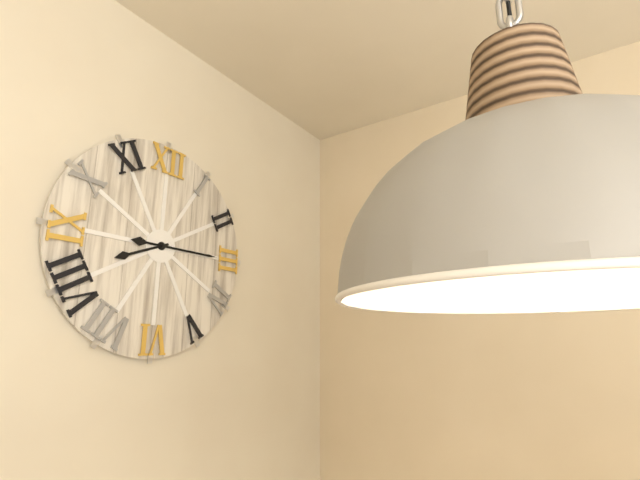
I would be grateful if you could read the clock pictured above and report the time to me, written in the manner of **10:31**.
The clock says **8:15**
